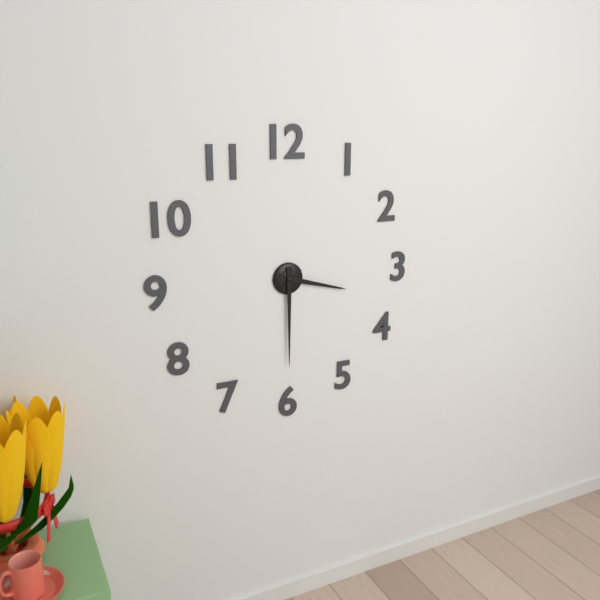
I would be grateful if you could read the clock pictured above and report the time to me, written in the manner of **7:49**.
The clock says **3:30**
